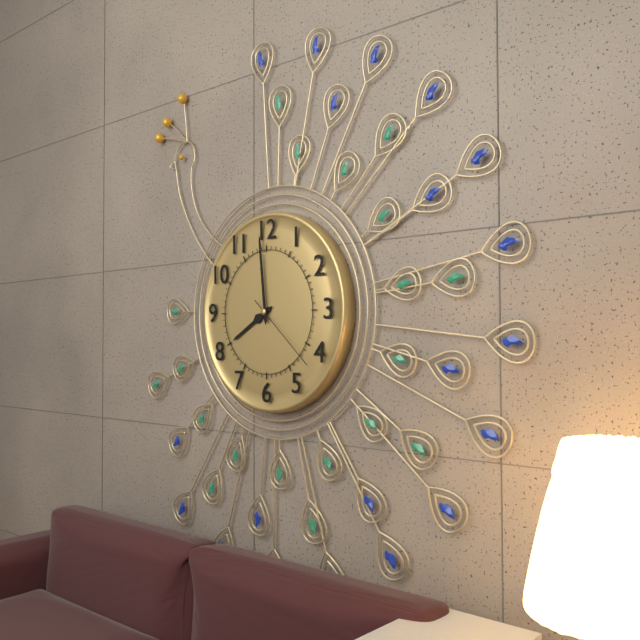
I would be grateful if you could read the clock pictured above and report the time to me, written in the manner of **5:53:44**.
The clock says **7:59:22**
